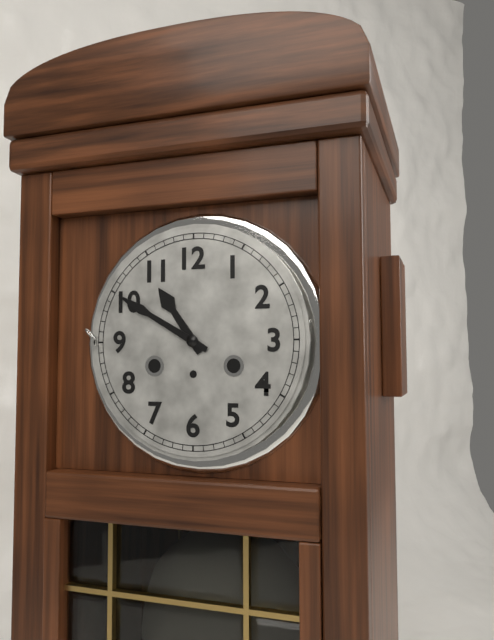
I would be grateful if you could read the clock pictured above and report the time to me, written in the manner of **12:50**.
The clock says **10:50**
